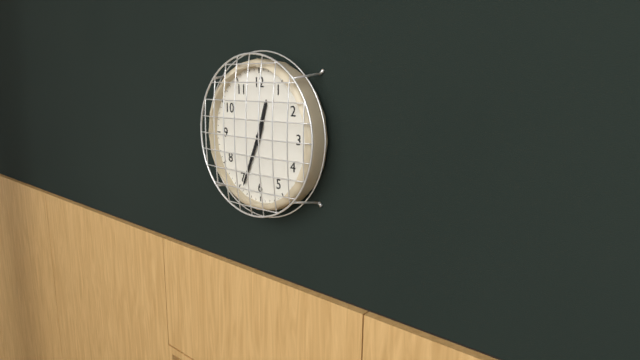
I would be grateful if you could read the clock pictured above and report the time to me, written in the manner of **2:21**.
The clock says **12:34**
